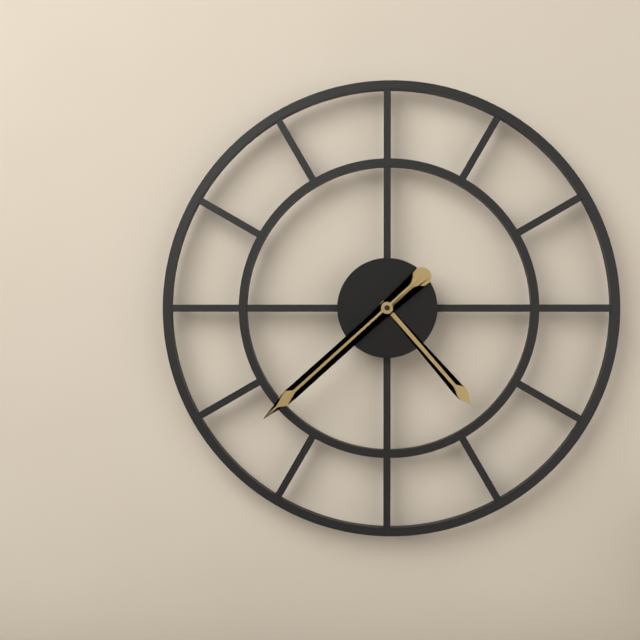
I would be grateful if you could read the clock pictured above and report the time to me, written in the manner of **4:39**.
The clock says **4:38**
